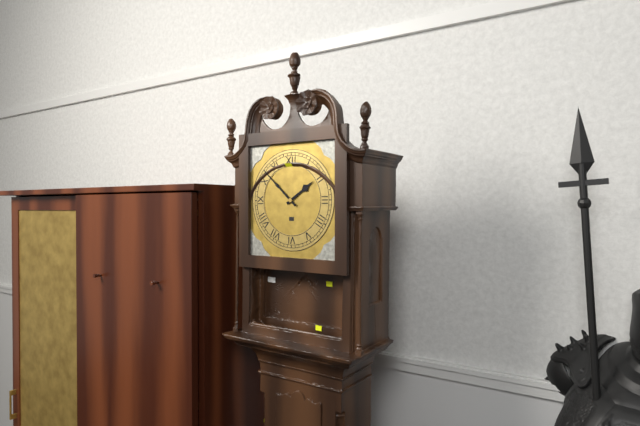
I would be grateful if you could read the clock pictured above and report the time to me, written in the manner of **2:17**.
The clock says **1:52**
